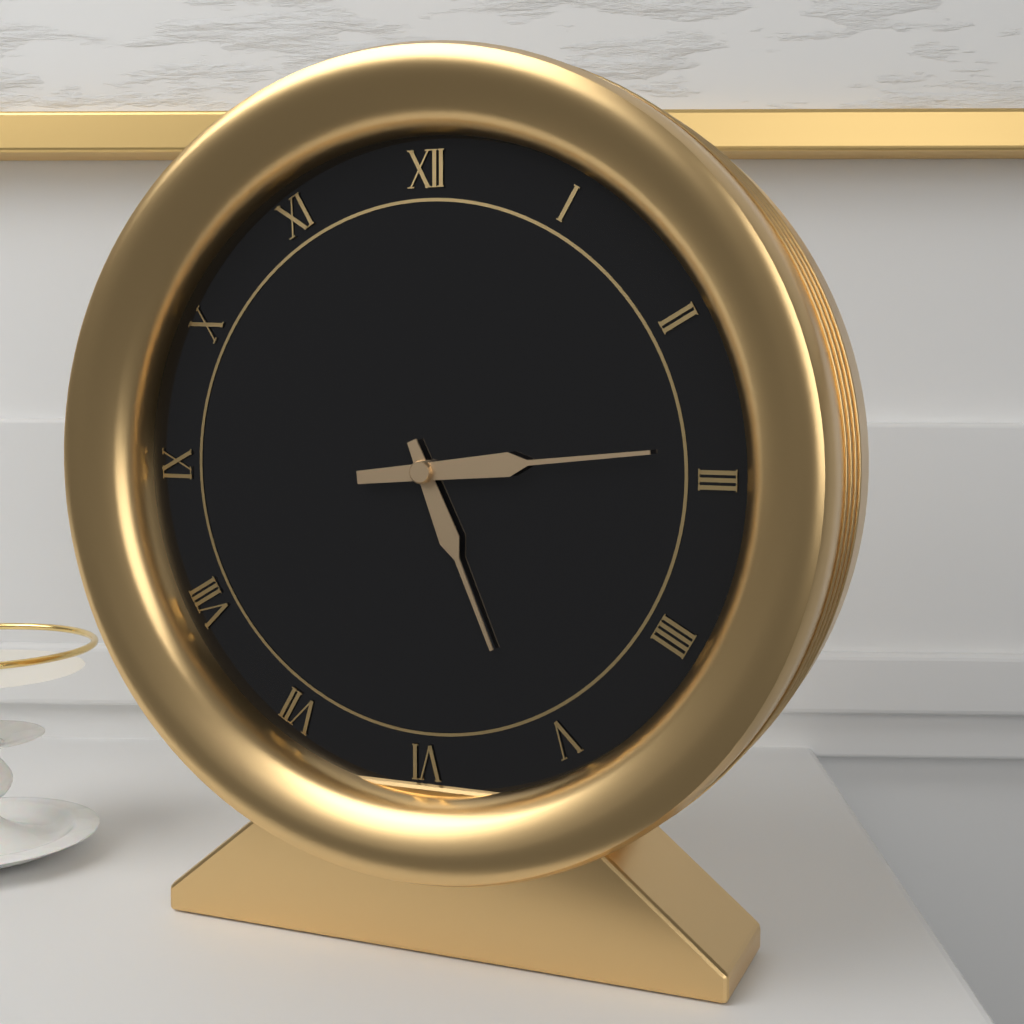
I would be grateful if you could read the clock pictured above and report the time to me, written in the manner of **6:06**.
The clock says **5:14**
